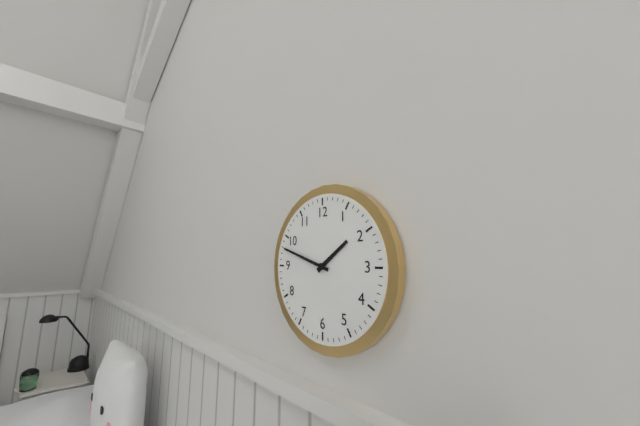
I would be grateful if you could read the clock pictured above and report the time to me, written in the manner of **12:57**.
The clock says **1:48**
